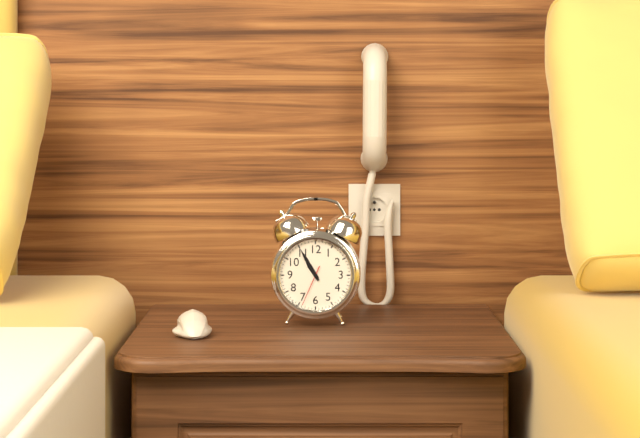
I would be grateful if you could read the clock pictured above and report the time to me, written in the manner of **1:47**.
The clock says **10:55**
